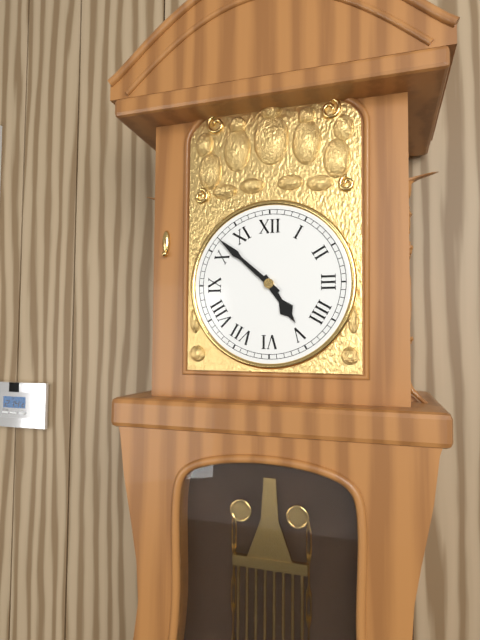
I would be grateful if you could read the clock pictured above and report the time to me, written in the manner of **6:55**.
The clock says **4:52**
